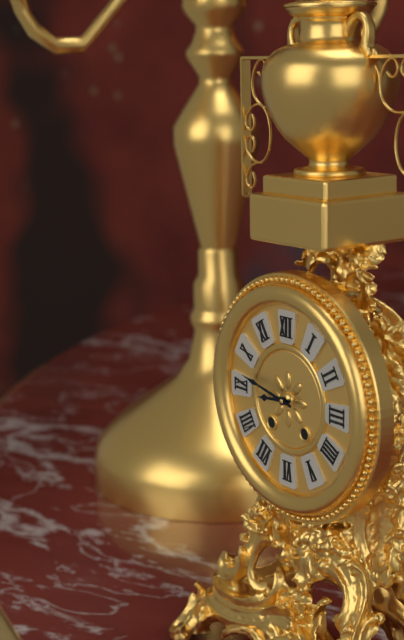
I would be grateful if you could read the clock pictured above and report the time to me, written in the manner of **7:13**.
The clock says **8:47**
